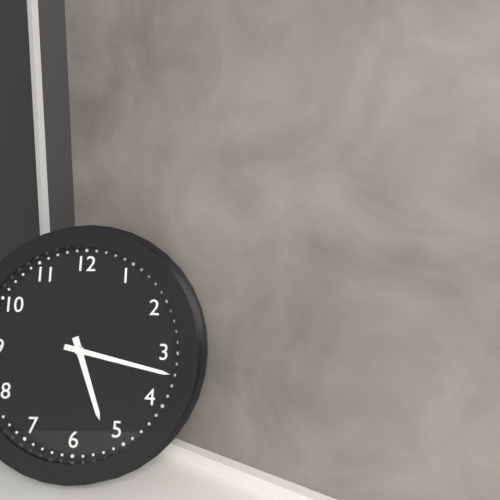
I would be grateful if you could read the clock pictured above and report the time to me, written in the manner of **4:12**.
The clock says **5:17**
